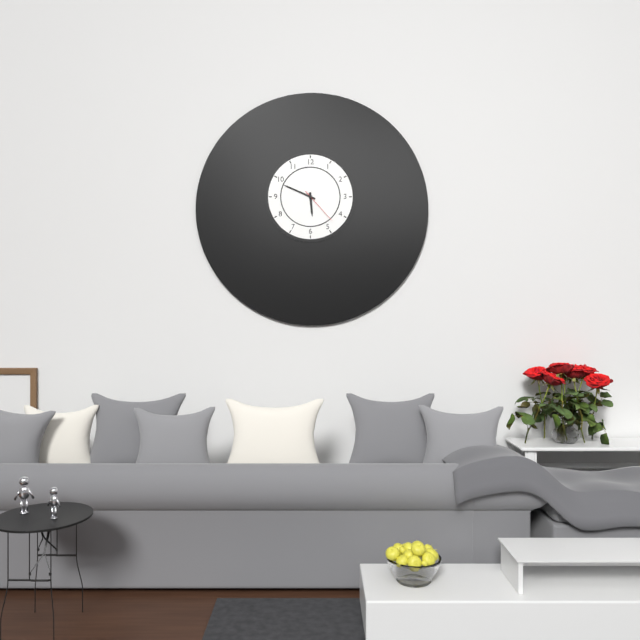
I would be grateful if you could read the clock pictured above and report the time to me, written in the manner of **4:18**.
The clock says **5:49**
